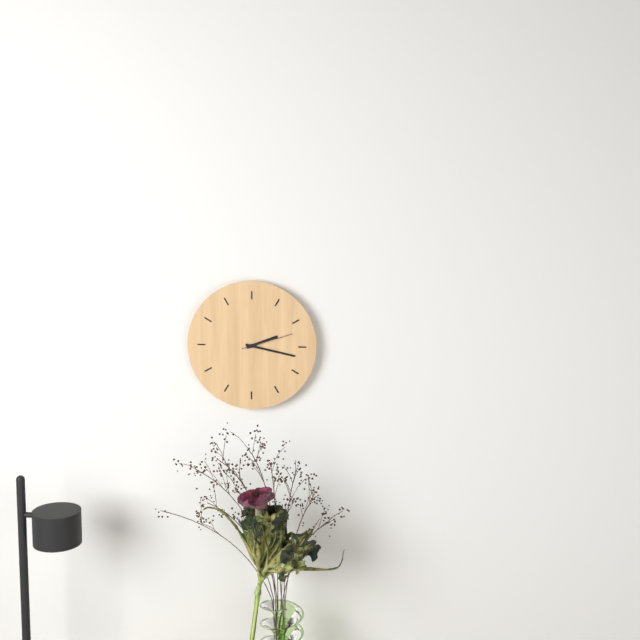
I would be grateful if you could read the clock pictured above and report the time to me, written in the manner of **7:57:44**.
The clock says **2:17:12**
